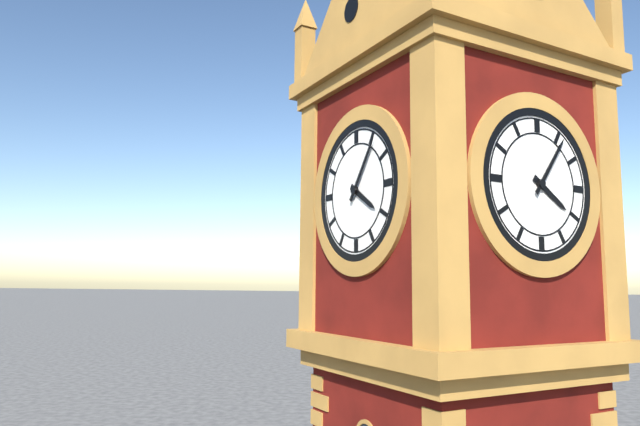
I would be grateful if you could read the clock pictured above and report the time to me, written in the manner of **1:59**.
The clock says **4:06**
